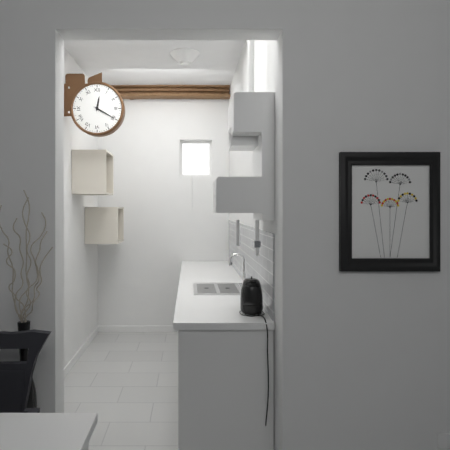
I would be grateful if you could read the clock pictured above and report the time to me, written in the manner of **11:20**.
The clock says **12:20**
